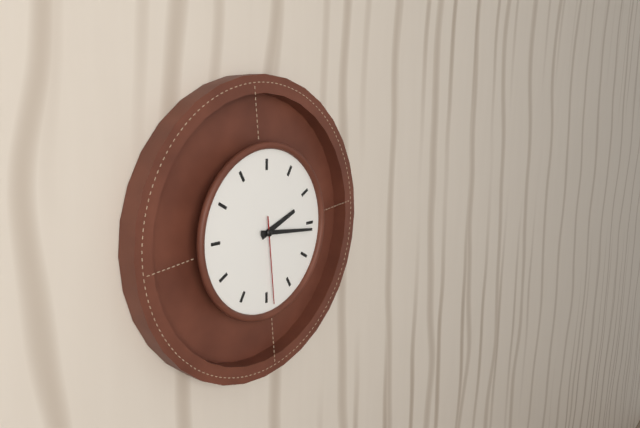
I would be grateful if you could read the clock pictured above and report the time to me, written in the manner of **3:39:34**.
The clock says **2:16:29**
